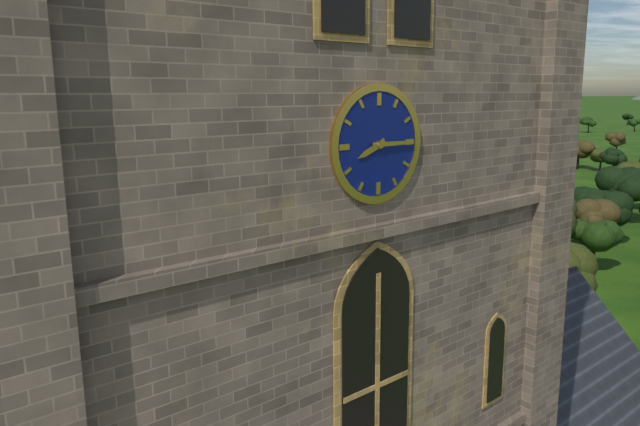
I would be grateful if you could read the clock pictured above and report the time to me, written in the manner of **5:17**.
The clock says **8:15**
